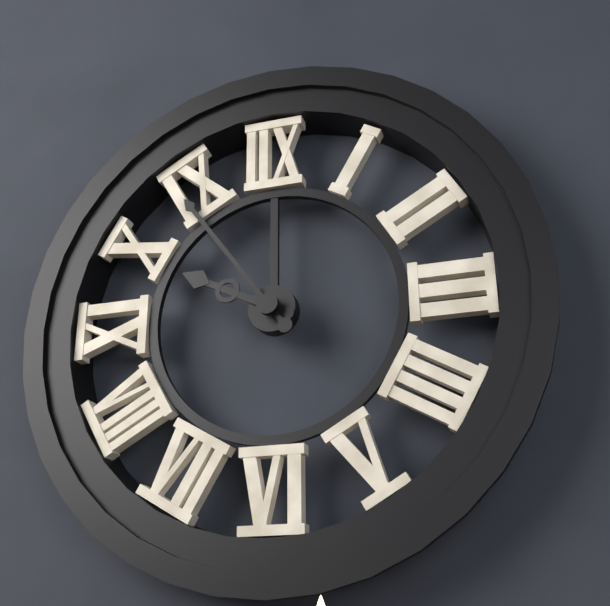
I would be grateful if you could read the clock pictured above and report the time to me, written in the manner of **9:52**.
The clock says **9:54**
